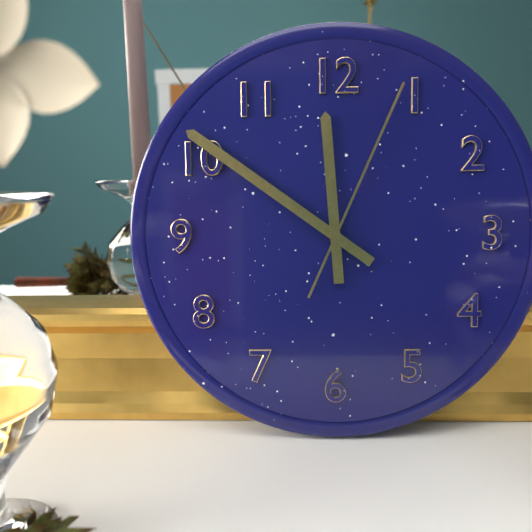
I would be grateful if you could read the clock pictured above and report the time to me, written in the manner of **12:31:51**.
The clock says **11:51:04**
